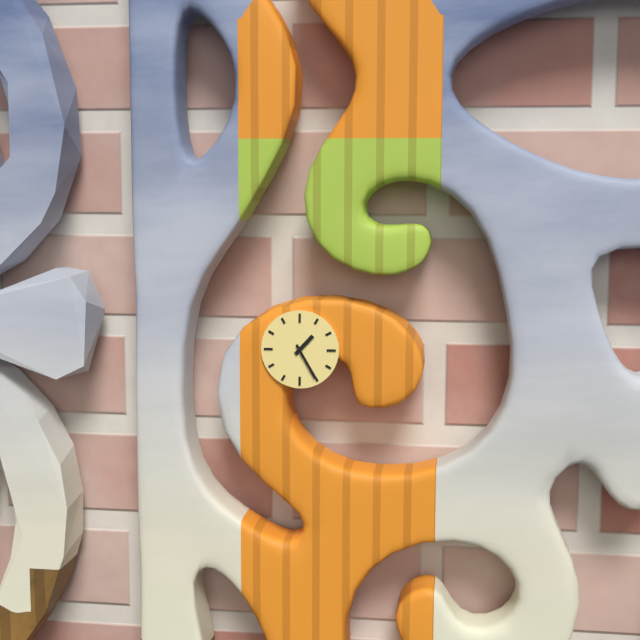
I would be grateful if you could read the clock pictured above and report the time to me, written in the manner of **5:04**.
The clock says **1:25**
